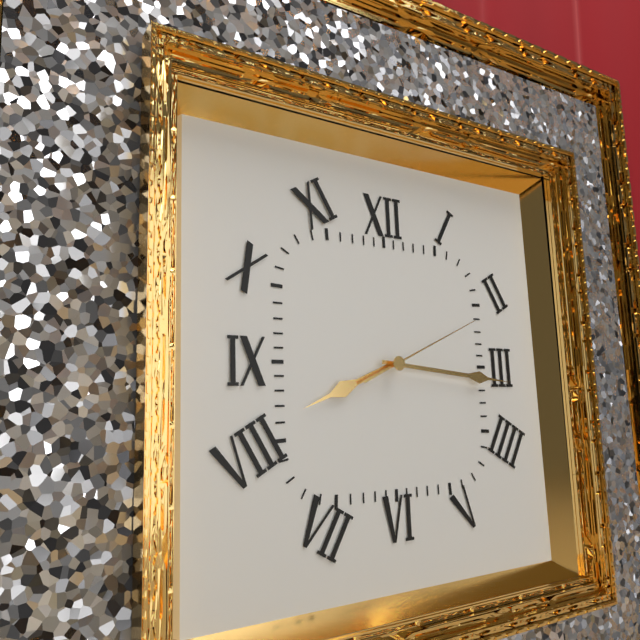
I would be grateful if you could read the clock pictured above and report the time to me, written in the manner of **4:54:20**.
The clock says **8:16:11**
